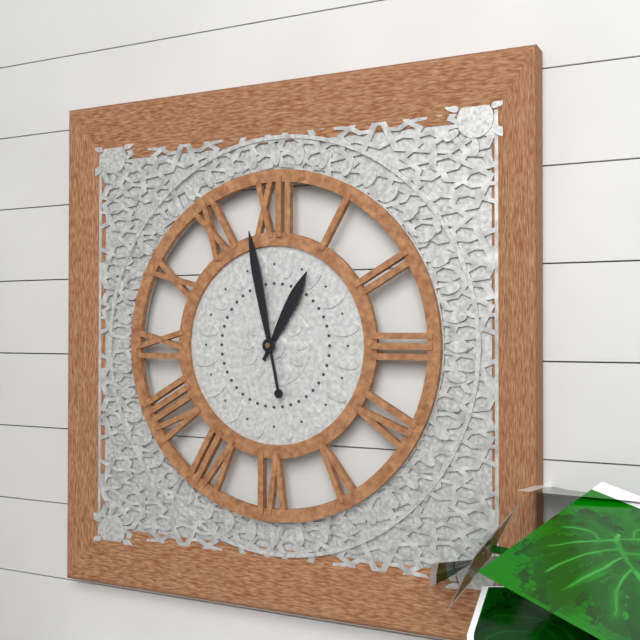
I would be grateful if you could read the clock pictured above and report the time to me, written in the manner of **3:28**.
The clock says **12:58**
